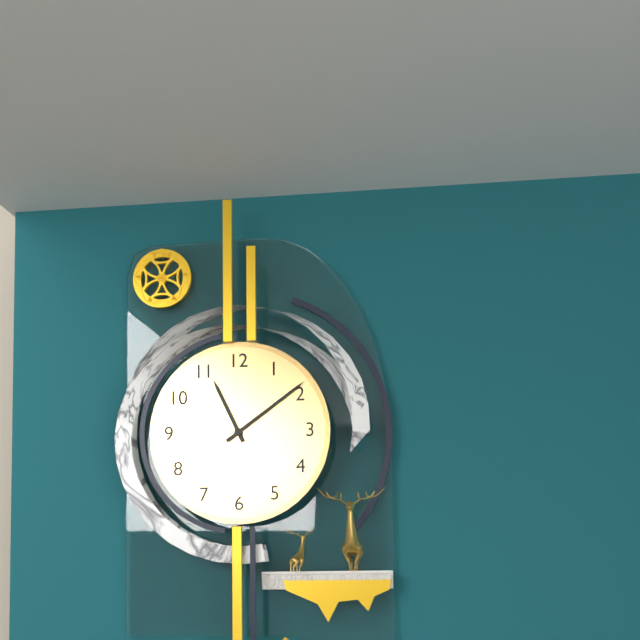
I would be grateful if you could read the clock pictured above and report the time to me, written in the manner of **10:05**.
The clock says **11:09**
